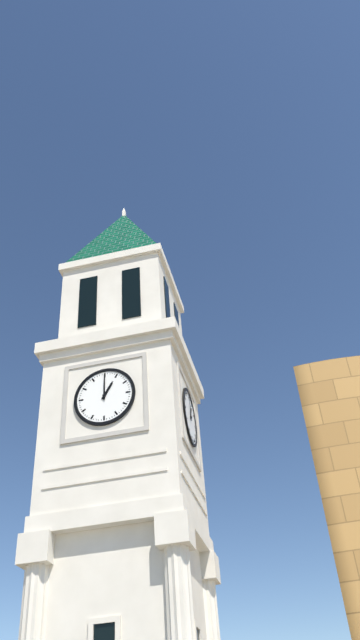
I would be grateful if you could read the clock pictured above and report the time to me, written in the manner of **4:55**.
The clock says **1:00**
